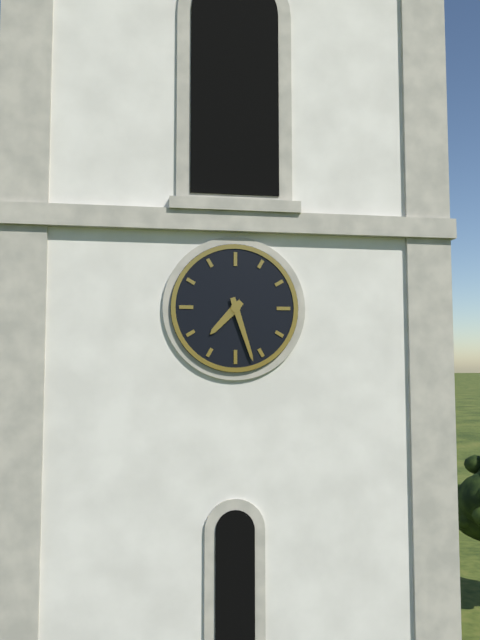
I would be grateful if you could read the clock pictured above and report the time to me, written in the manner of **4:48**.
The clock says **7:27**
